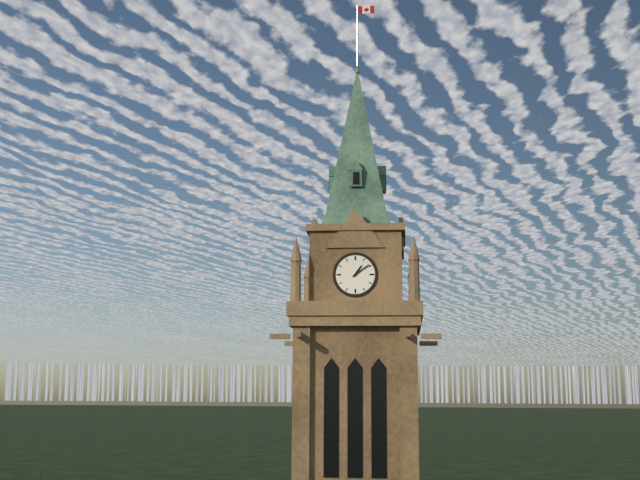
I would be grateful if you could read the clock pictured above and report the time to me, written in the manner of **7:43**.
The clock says **1:09**
